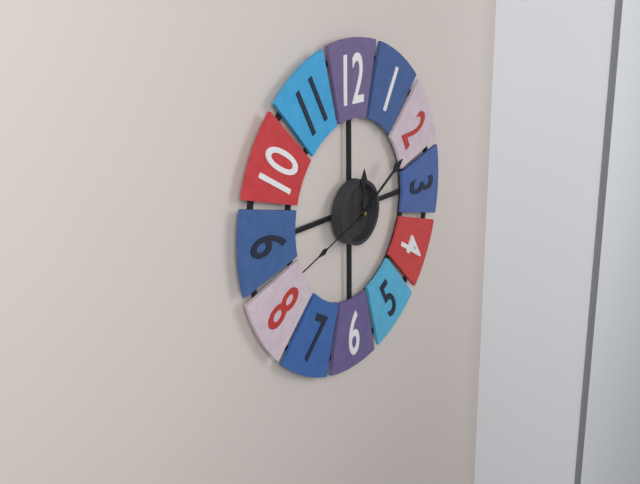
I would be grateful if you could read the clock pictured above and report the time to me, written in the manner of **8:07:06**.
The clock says **12:10:42**
